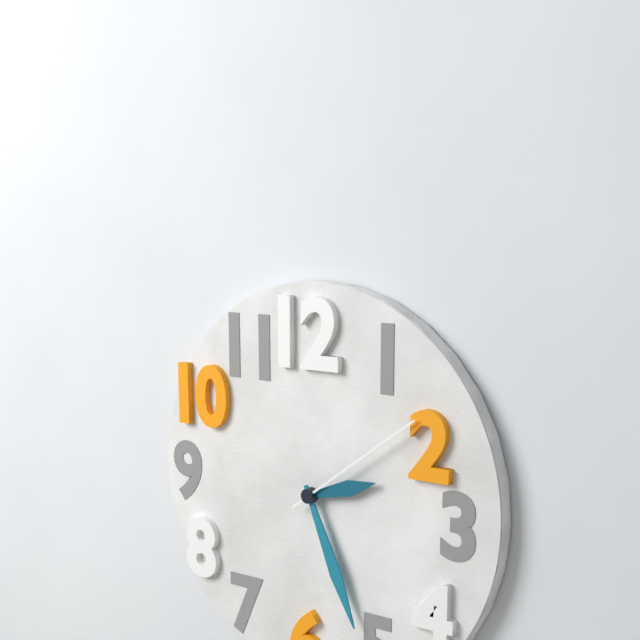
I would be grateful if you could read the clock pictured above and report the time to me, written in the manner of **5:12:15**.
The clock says **2:26:09**
